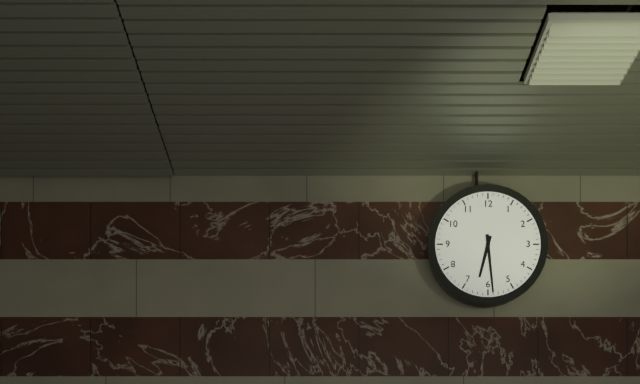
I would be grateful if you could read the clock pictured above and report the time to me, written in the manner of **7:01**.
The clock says **6:29**
